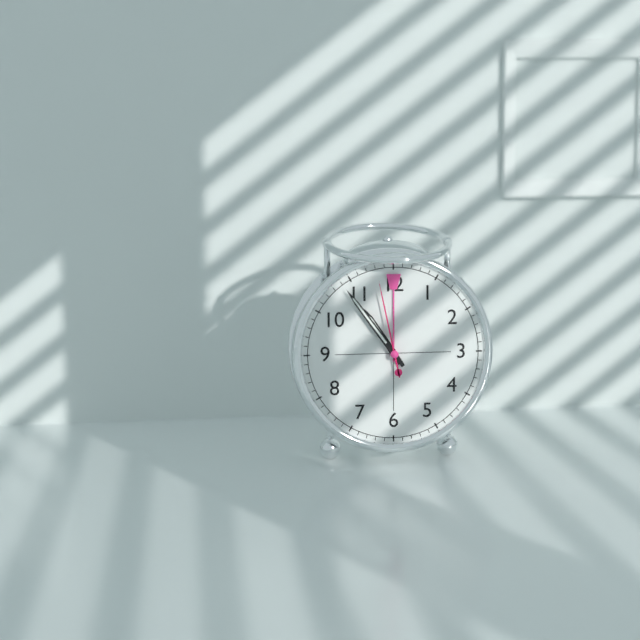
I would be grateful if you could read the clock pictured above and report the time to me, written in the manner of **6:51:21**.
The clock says **10:54:58**
